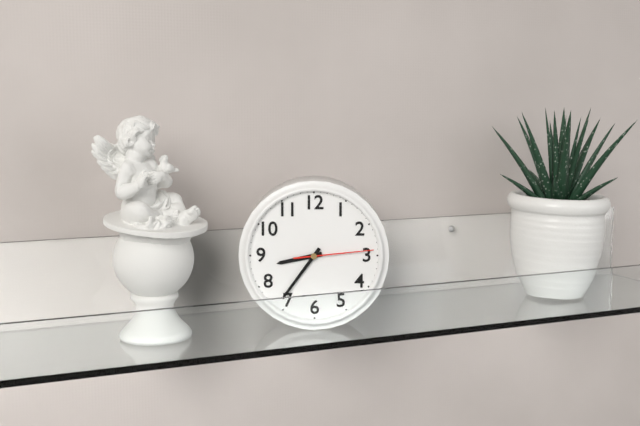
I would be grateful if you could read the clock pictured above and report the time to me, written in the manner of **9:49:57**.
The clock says **8:36:14**
